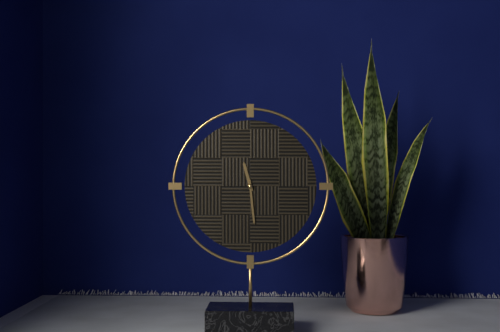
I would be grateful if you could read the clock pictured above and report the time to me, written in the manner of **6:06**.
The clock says **11:29**
